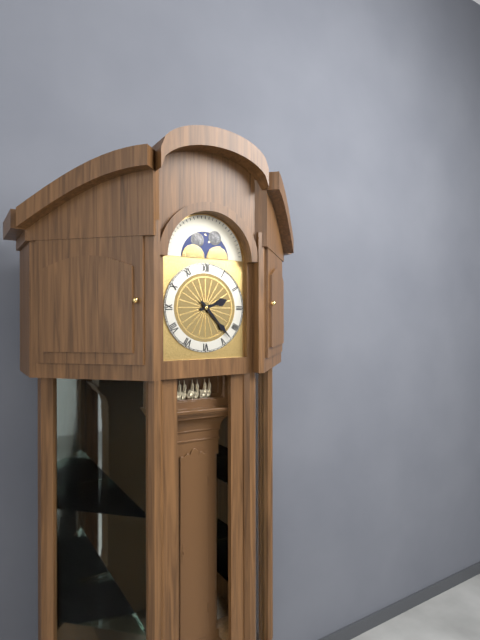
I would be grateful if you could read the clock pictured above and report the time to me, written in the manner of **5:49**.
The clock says **2:23**
